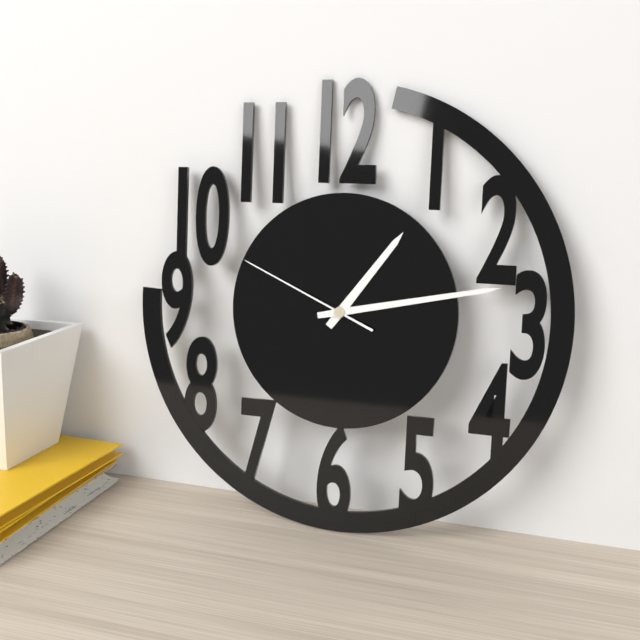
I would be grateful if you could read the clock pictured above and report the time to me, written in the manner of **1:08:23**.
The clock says **1:13:49**
